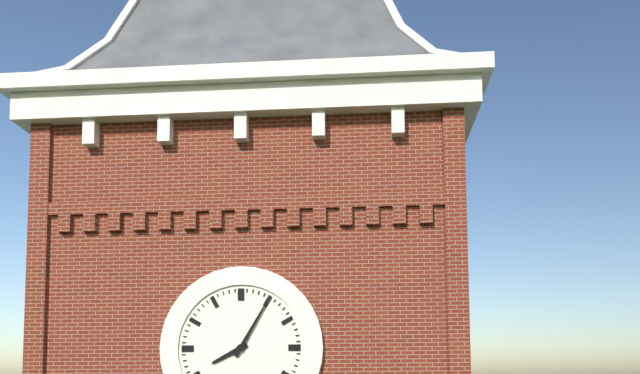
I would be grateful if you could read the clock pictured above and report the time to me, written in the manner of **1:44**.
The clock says **8:05**
